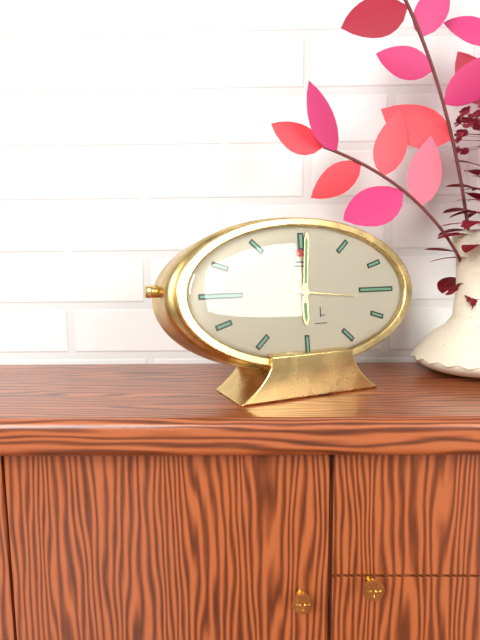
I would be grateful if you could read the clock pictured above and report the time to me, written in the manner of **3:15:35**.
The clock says **6:01:16**
